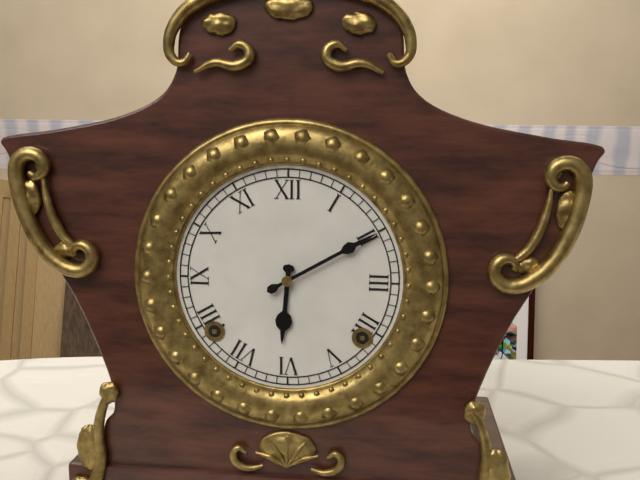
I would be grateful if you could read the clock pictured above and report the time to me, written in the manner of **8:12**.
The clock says **6:10**
